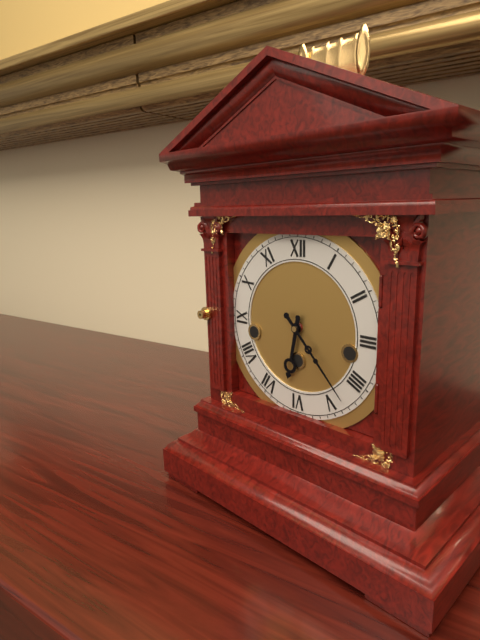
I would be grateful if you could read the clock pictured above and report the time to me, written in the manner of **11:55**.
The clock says **6:23**
